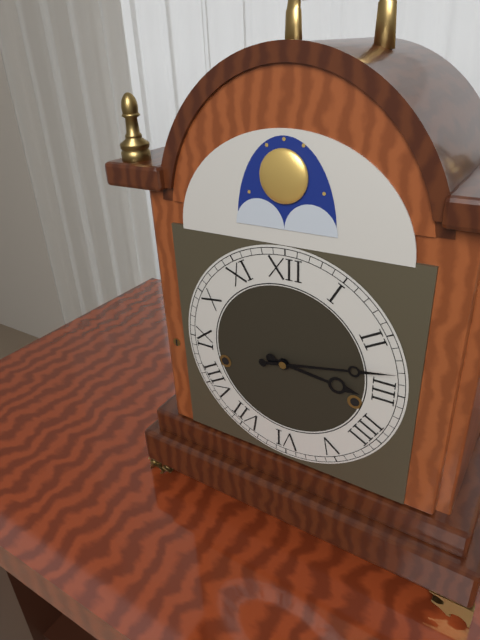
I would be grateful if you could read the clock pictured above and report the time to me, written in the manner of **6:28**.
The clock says **3:13**
